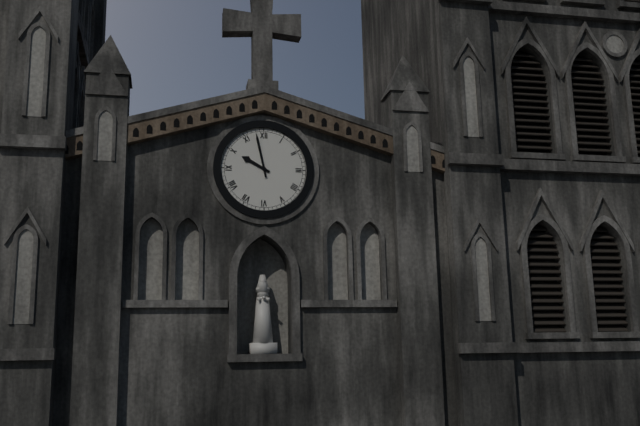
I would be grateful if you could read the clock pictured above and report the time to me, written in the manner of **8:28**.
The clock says **9:58**
